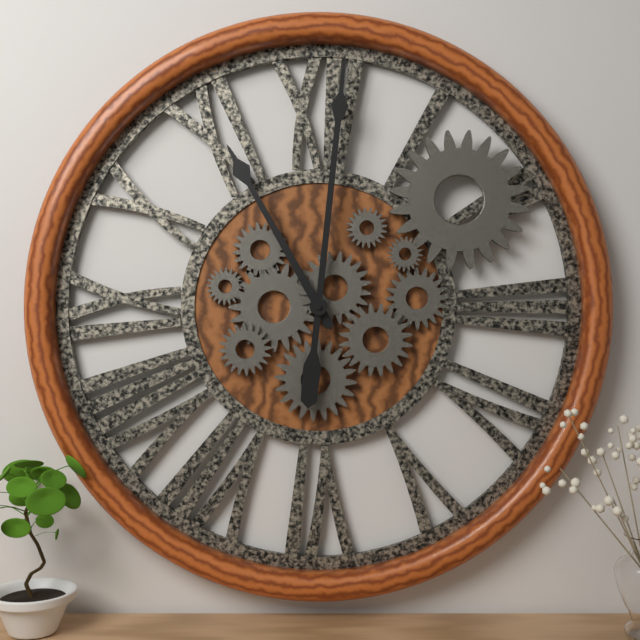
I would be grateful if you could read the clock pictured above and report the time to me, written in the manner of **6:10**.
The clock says **11:01**
